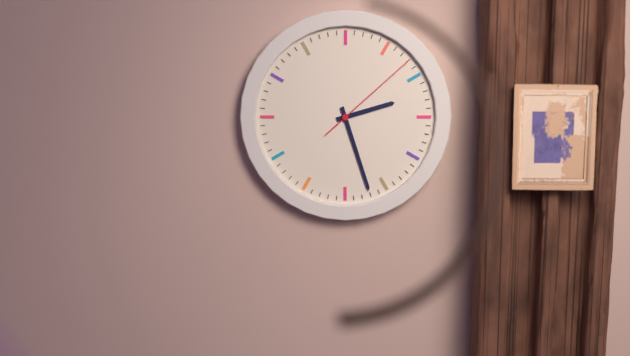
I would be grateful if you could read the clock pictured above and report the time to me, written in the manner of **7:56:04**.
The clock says **2:27:08**
